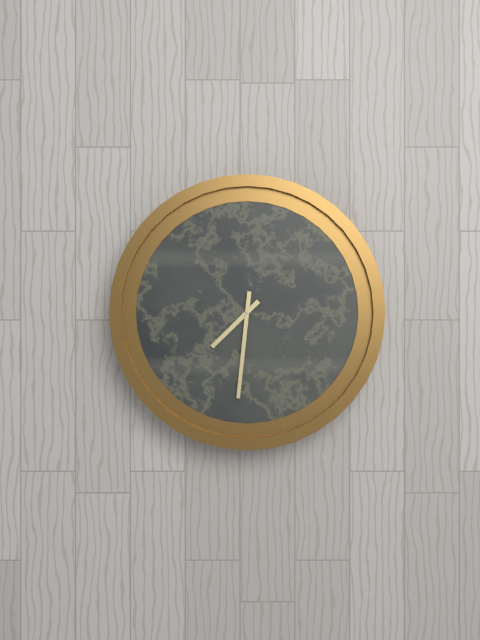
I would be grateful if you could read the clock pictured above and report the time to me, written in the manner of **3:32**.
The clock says **7:31**
